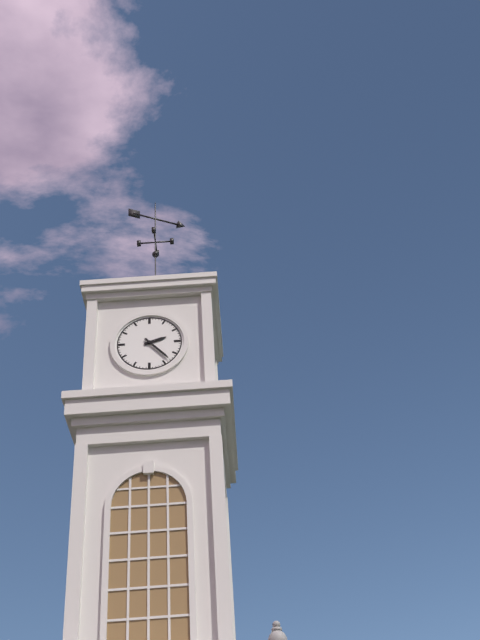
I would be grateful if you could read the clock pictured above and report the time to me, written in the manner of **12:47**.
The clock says **2:23**
